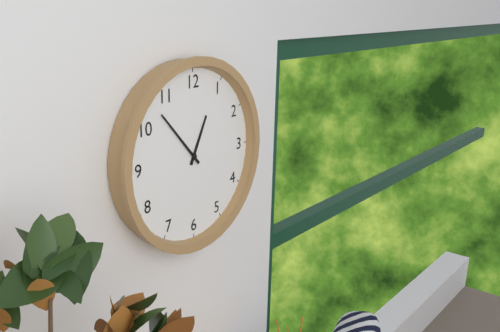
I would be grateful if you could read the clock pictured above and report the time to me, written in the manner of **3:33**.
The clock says **12:53**
